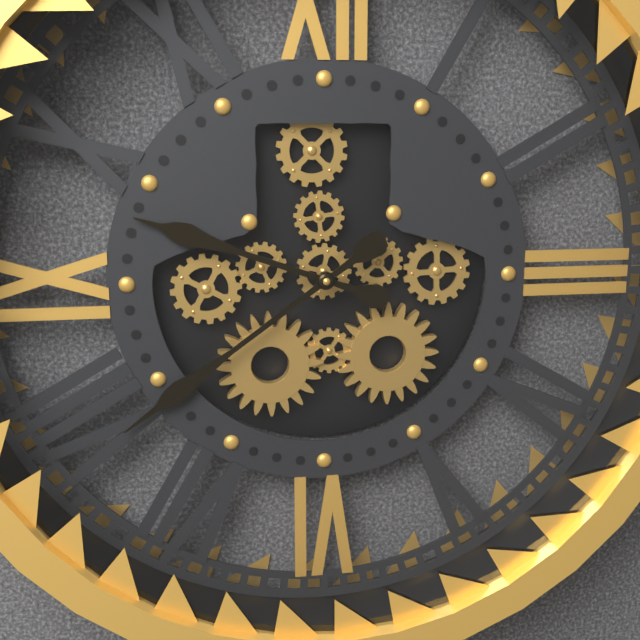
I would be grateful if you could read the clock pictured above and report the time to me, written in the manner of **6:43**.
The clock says **9:39**
